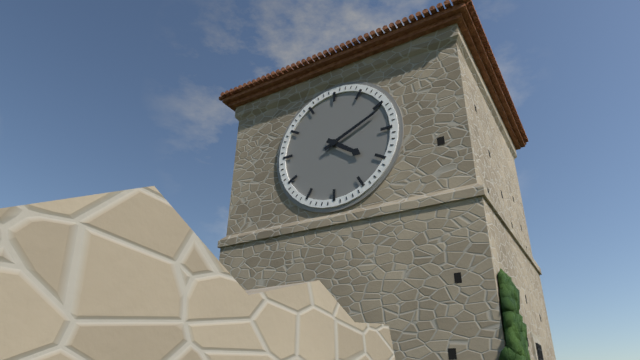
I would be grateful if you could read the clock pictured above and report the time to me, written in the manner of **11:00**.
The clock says **4:11**
